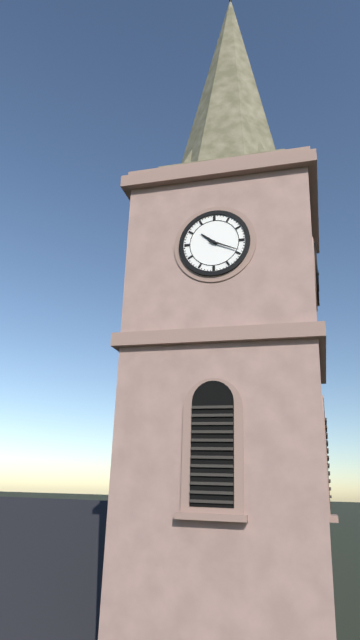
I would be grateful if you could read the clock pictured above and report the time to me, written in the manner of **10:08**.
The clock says **10:19**
